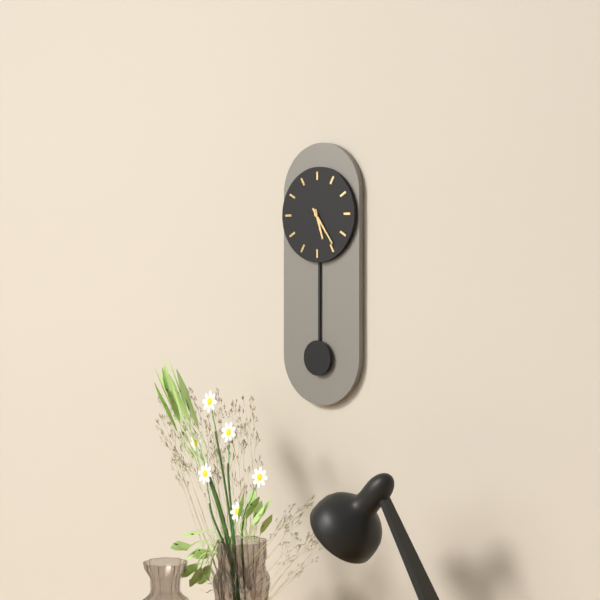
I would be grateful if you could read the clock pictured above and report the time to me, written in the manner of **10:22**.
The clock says **5:24**
